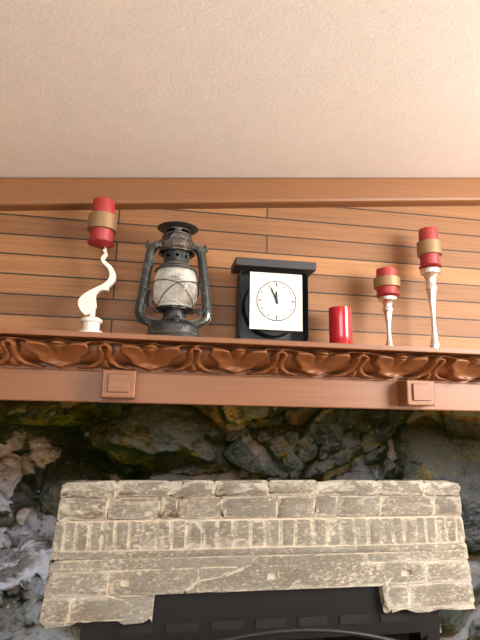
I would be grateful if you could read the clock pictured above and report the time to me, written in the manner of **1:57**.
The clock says **11:56**
